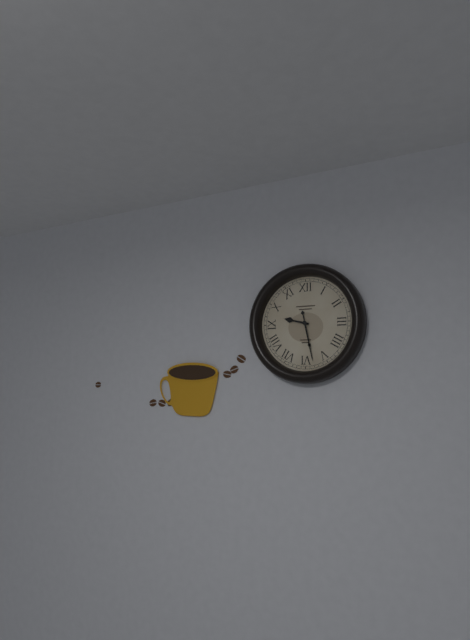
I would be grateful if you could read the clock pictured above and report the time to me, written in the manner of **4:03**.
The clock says **9:28**
